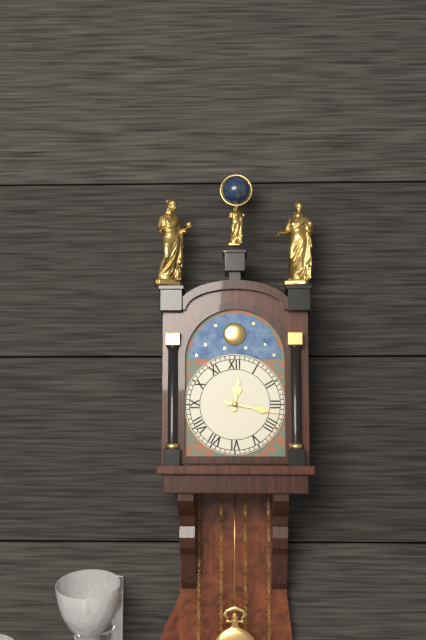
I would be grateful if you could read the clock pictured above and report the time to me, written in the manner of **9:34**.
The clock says **12:17**
